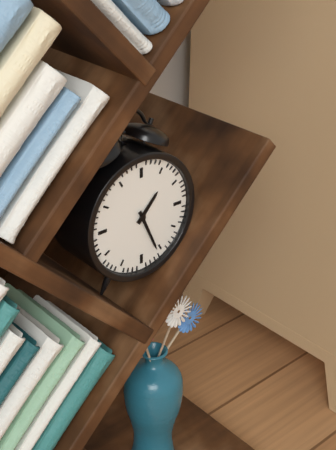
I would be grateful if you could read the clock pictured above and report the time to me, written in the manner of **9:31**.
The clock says **1:26**
